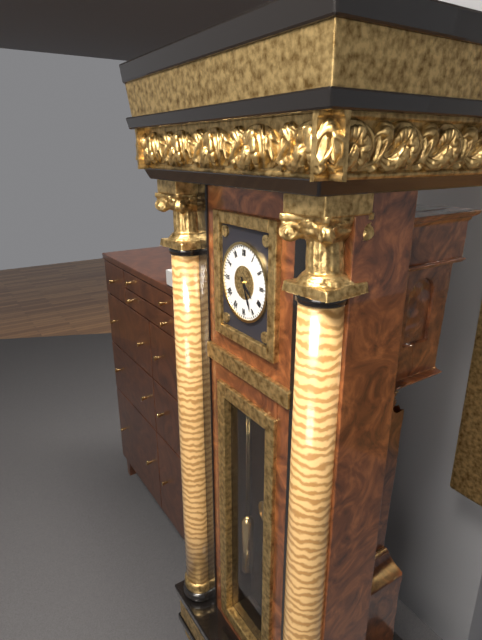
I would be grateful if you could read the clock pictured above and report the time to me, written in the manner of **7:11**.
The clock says **4:26**
